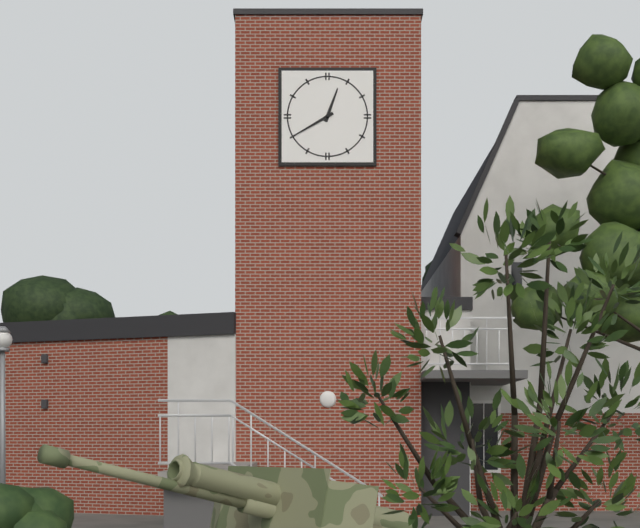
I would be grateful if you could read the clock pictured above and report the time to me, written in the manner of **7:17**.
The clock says **12:40**
